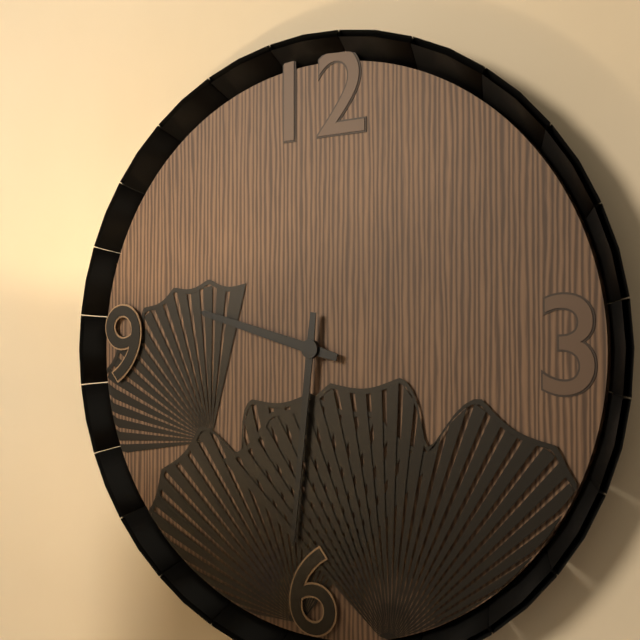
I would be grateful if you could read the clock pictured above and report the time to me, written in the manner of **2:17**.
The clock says **9:31**
